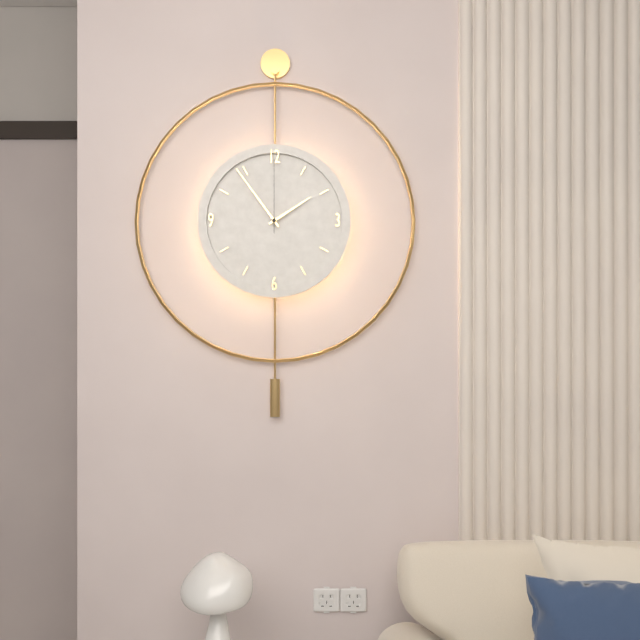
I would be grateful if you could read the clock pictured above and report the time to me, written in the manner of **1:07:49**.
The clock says **1:54:00**
